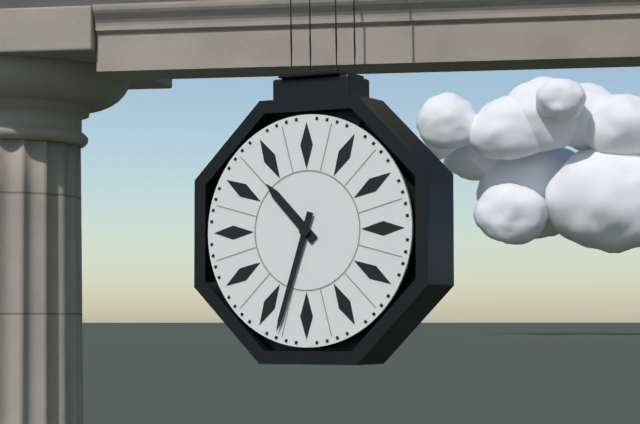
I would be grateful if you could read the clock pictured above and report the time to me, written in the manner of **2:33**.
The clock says **10:33**
